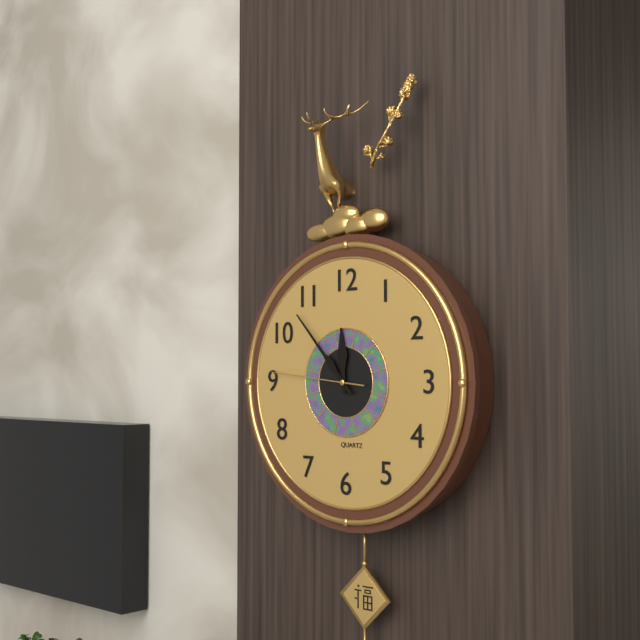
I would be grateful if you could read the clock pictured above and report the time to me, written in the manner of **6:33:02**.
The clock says **11:53:46**
